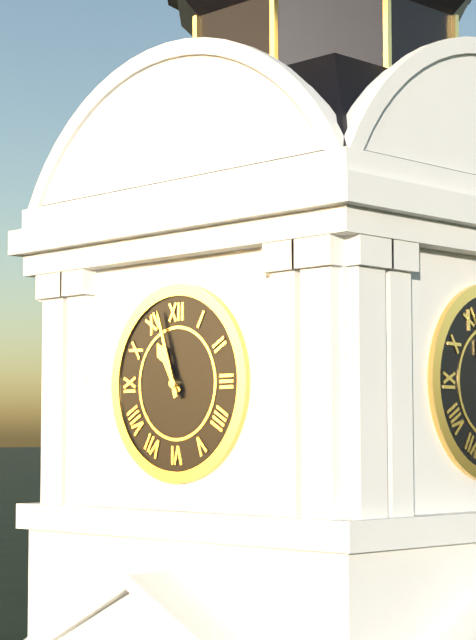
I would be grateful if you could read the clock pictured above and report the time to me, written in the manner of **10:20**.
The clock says **10:57**
